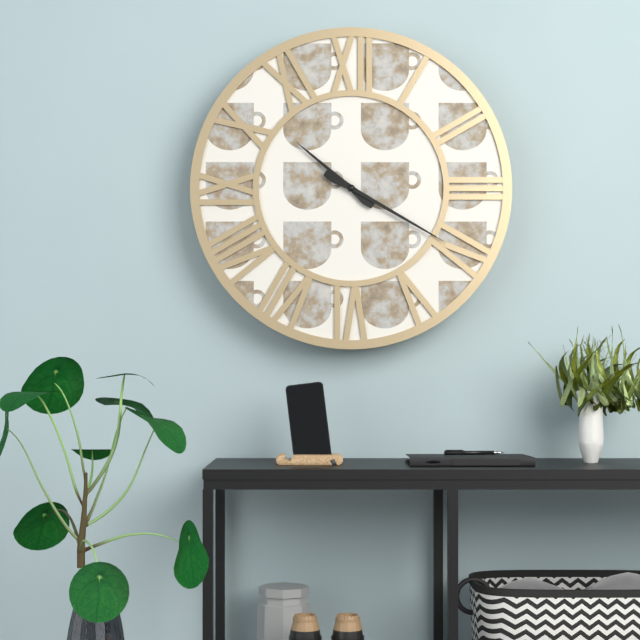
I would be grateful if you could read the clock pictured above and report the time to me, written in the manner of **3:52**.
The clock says **10:20**
